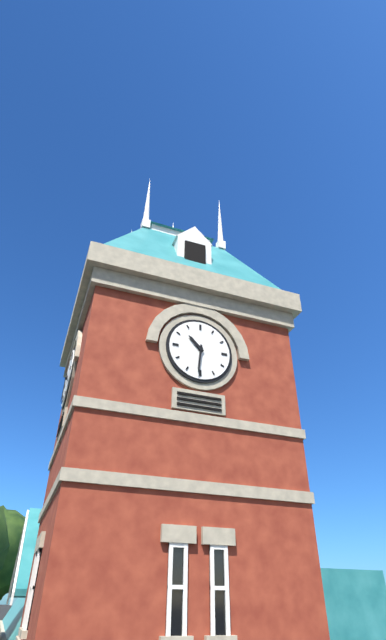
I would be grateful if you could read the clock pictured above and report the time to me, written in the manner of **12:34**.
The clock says **10:31**
